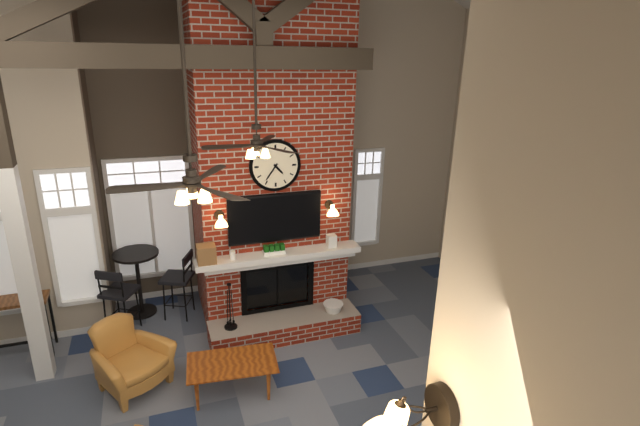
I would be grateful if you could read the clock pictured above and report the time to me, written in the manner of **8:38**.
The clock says **4:36**
